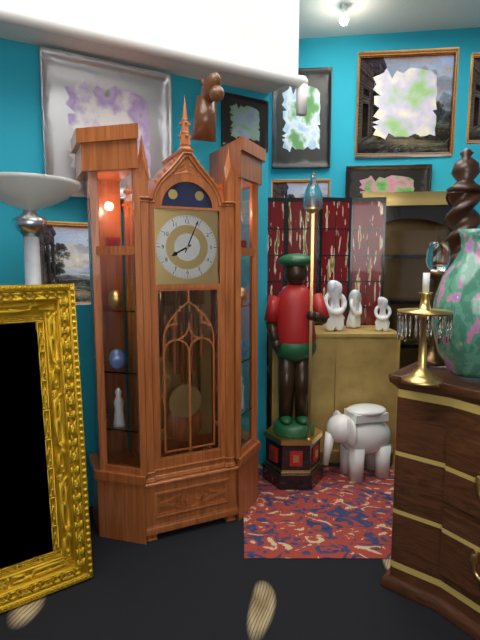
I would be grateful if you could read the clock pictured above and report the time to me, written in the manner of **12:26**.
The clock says **8:04**
